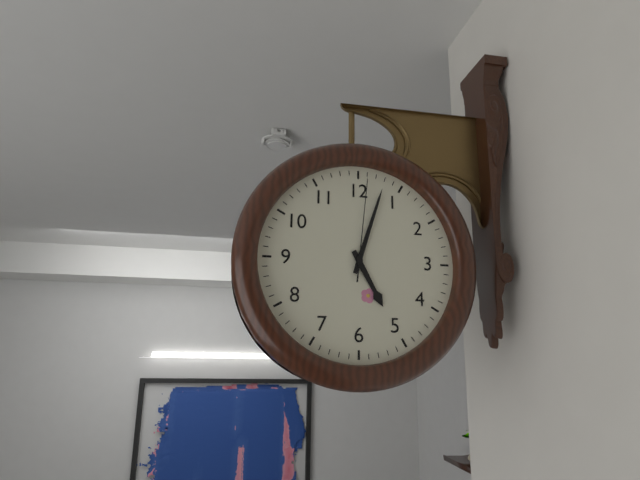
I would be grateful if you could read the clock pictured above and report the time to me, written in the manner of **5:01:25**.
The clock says **5:03:01**
